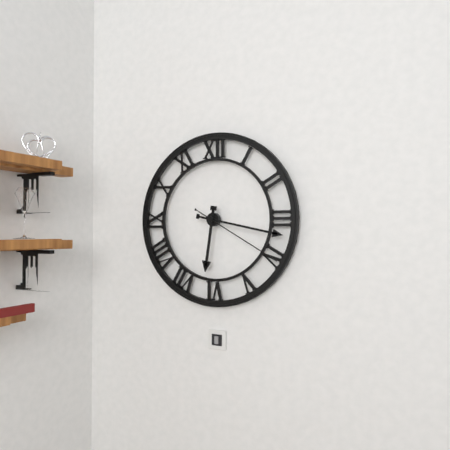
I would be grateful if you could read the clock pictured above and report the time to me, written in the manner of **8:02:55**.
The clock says **6:17:20**
